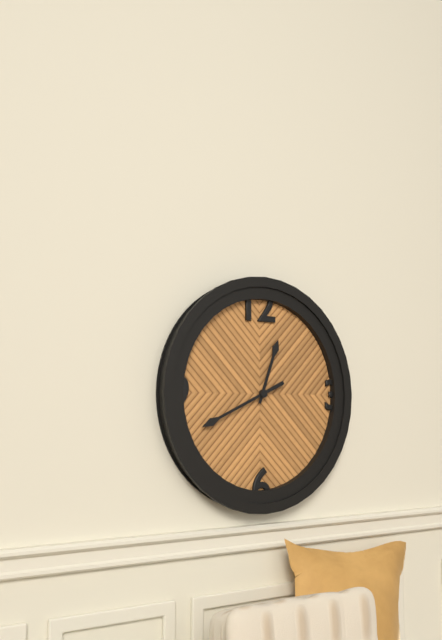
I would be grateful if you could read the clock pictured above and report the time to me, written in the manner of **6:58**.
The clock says **12:41**
